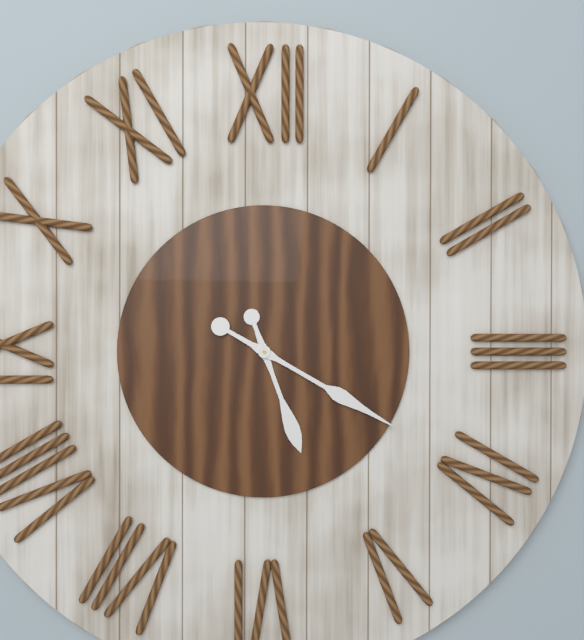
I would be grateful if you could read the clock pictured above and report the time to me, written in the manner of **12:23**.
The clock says **5:20**
